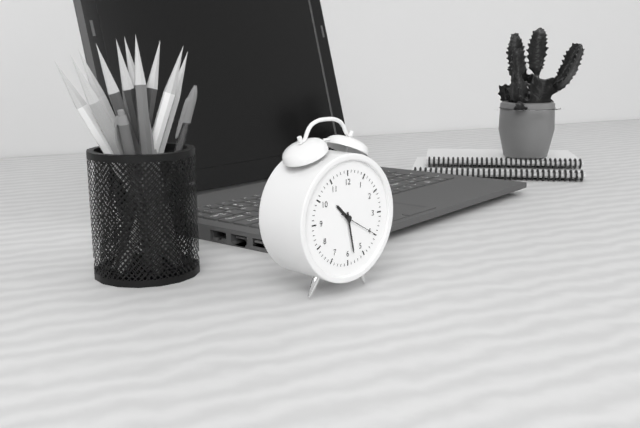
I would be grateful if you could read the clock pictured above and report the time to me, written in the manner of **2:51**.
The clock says **10:28**
